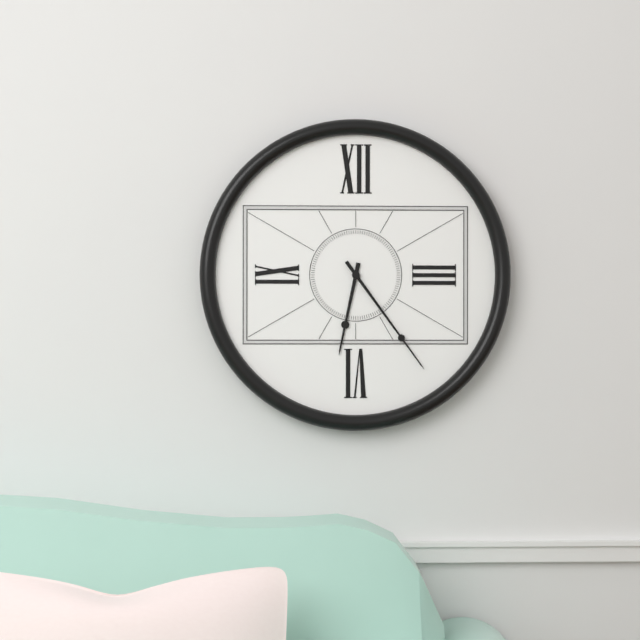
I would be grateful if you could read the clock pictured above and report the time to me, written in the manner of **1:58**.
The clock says **6:24**
